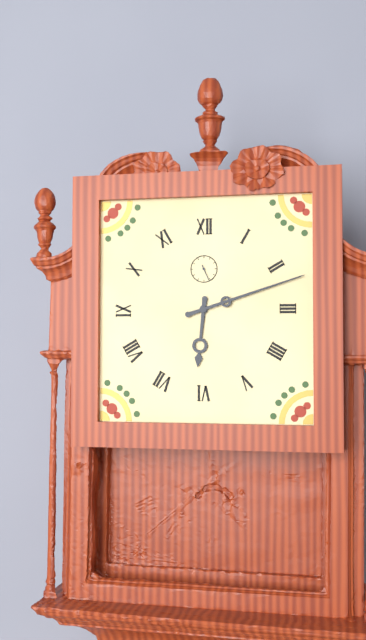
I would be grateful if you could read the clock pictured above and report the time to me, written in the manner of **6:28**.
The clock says **6:12**
